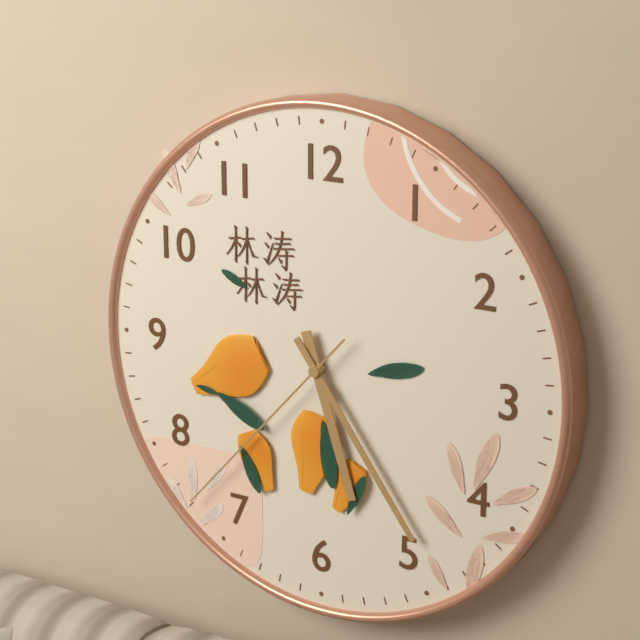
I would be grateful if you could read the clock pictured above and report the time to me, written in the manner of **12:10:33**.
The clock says **5:24:37**
